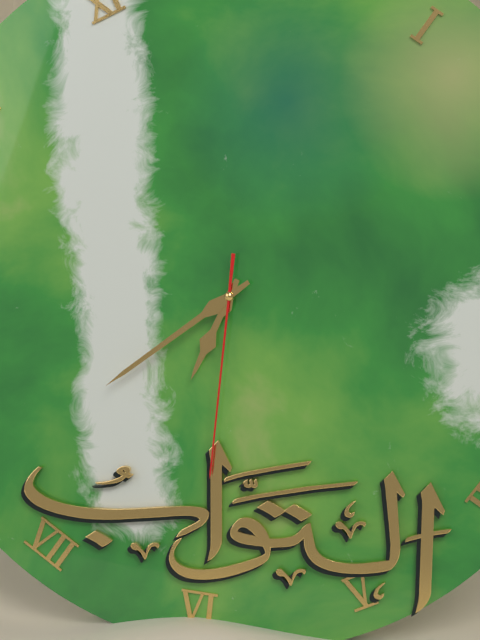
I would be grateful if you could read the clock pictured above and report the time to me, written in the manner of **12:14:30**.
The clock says **6:38:30**
